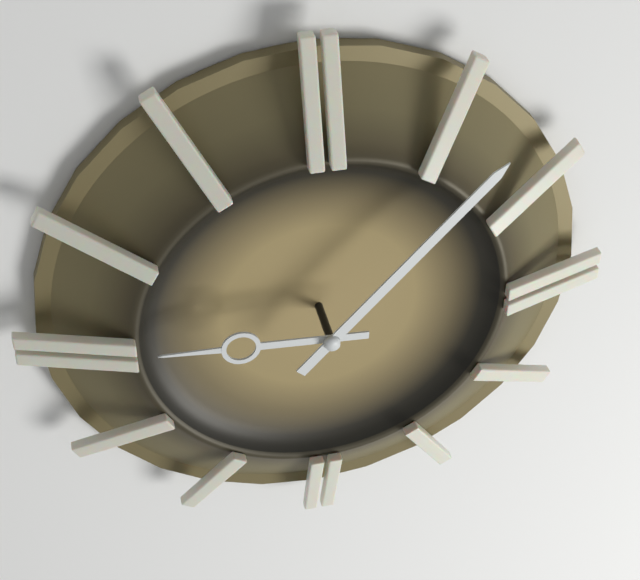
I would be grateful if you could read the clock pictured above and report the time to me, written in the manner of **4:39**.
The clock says **9:07**
